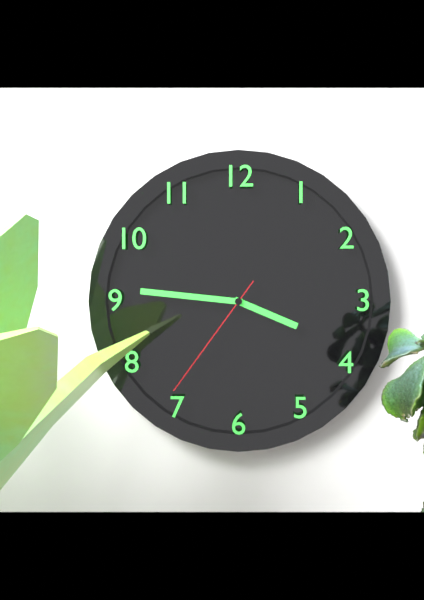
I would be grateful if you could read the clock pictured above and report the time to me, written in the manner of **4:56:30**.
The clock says **3:46:36**
